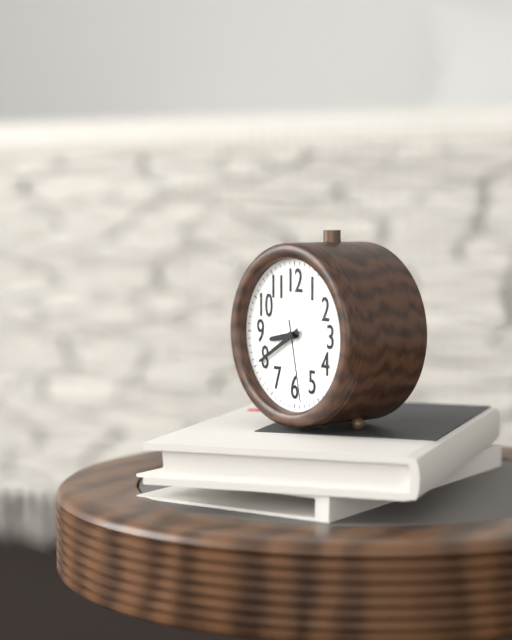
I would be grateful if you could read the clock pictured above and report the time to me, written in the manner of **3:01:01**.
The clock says **8:40:28**
